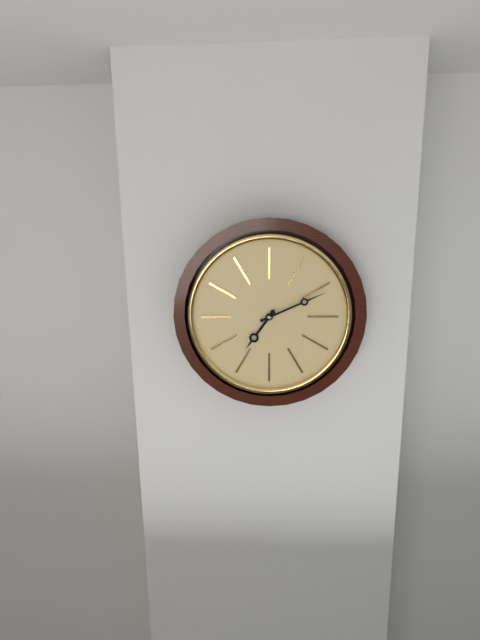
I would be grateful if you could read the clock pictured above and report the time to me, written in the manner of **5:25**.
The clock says **7:11**
